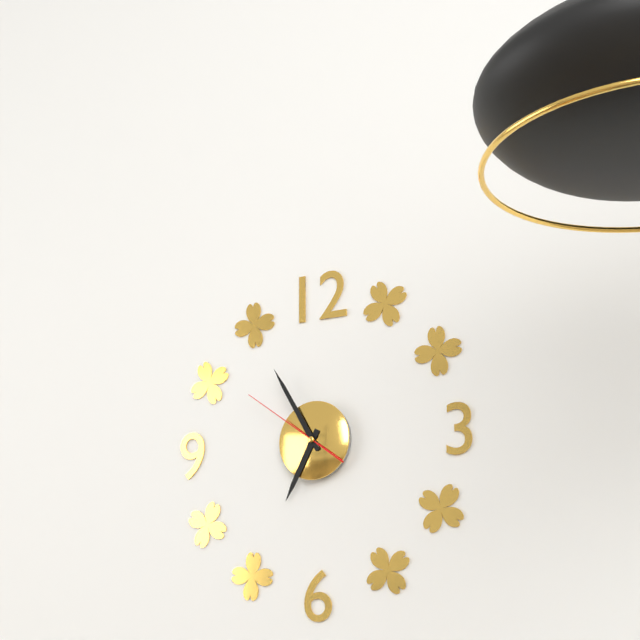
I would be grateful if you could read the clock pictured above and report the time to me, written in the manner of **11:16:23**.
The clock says **6:55:51**
